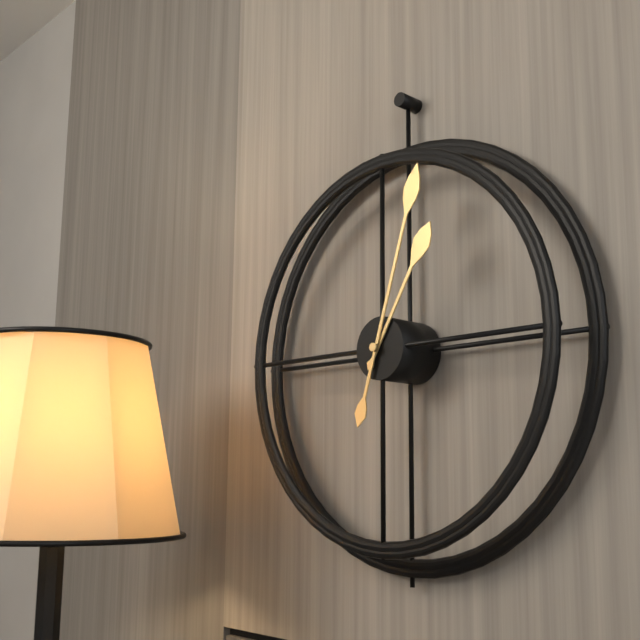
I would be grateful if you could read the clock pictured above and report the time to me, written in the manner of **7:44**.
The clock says **1:03**
